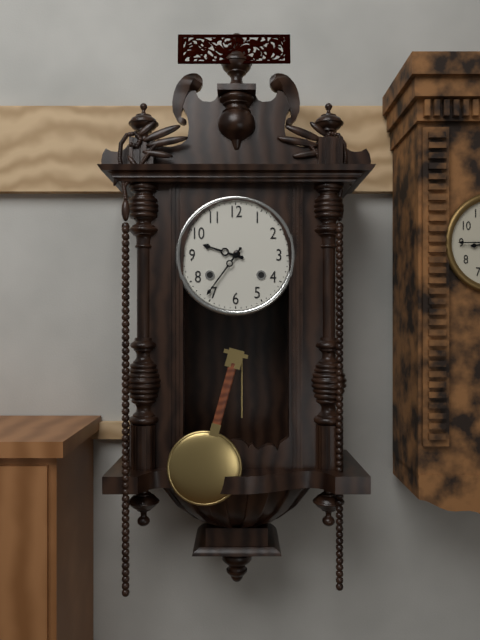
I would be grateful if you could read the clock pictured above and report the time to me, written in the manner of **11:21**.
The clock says **9:36**
